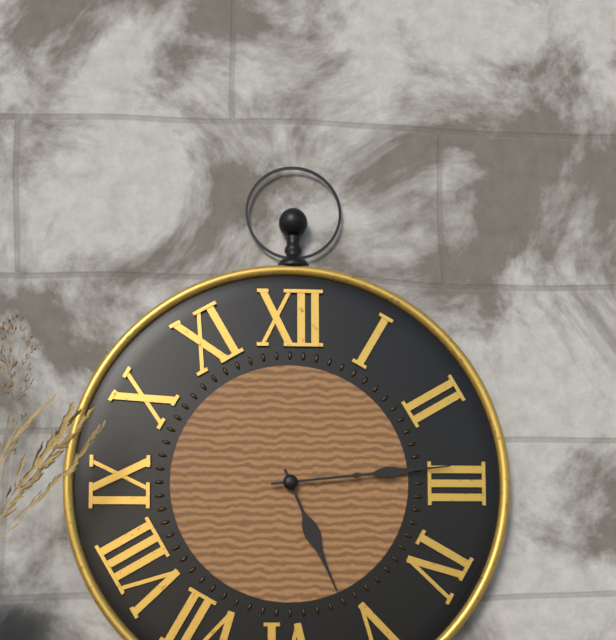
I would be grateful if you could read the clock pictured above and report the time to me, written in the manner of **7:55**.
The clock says **5:14**
